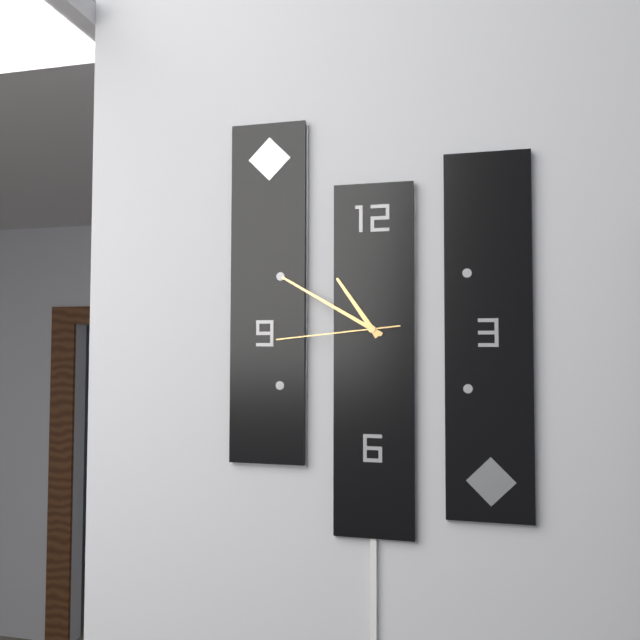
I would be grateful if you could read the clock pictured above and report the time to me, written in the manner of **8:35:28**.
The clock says **10:50:44**
